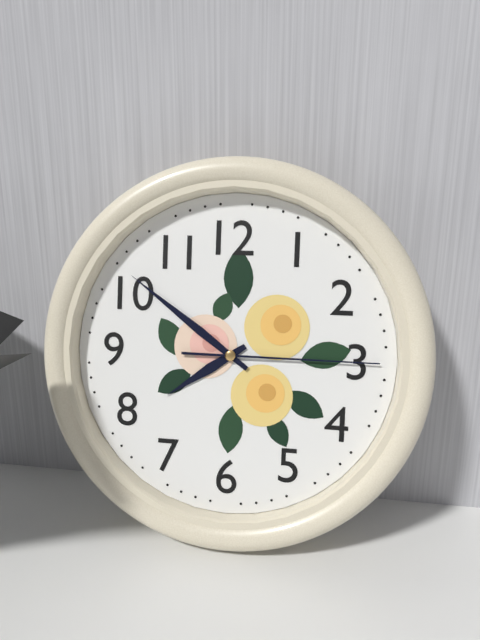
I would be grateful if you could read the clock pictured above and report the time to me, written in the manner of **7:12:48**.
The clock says **7:51:15**
